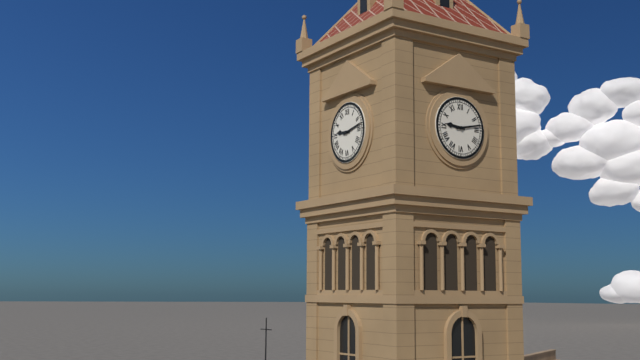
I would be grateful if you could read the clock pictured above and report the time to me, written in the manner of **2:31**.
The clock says **9:13**
